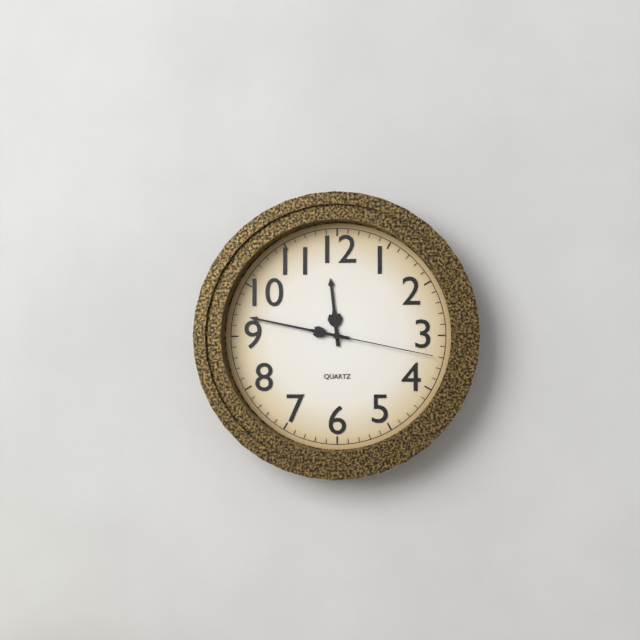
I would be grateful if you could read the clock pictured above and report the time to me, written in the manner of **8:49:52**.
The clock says **11:47:17**
